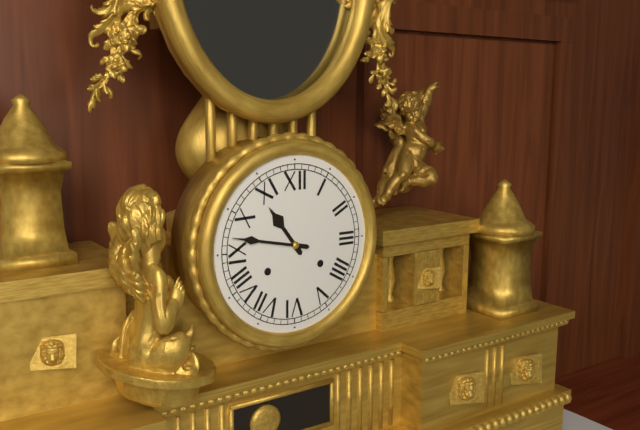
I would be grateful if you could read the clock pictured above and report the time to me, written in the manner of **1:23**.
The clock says **10:47**
